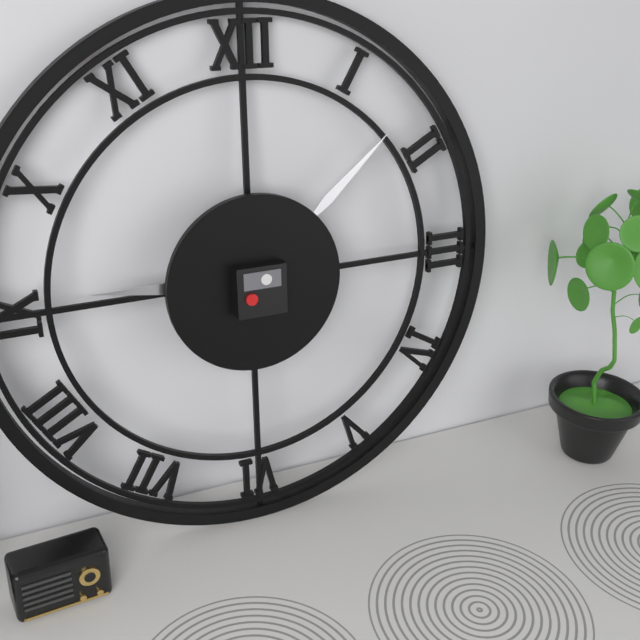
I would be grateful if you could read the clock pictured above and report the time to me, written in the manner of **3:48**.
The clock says **9:08**
